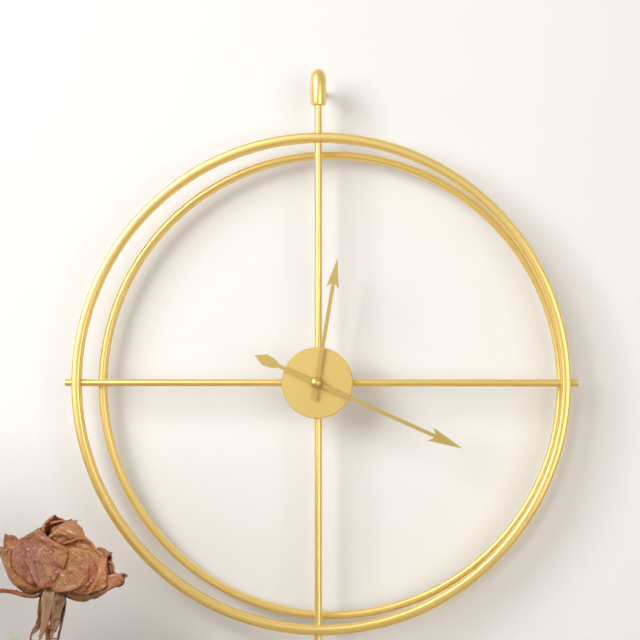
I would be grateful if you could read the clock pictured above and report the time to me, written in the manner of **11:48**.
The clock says **12:19**
